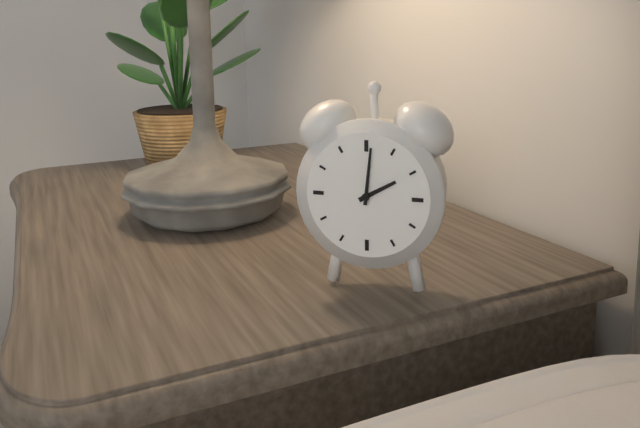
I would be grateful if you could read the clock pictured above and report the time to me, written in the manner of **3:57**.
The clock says **2:01**
